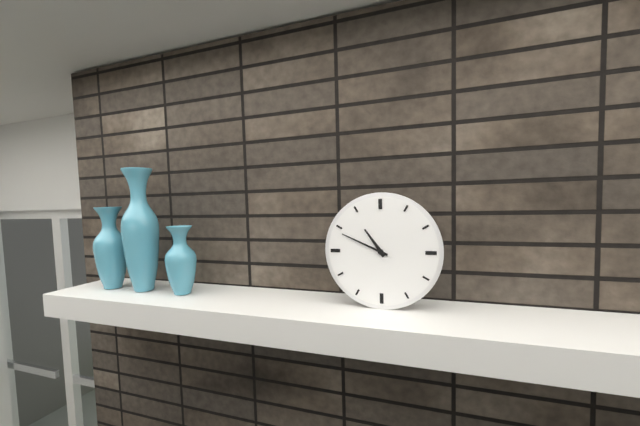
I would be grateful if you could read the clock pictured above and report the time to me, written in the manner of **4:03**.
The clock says **10:49**
